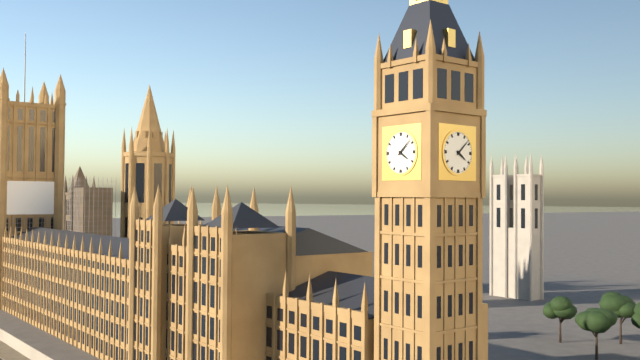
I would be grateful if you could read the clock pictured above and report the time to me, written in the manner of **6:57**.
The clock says **4:08**
